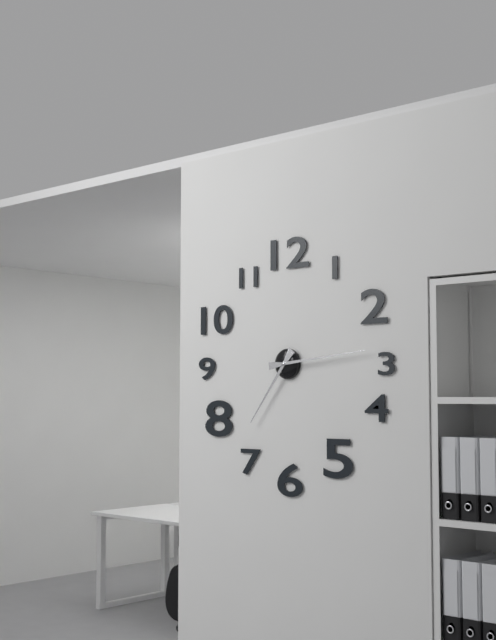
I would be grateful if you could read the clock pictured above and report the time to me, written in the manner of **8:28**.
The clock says **7:14**
